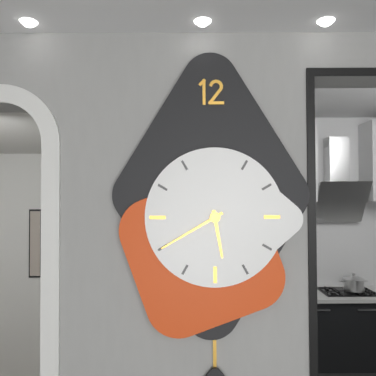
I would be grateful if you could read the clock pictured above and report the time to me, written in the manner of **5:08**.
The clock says **5:40**
